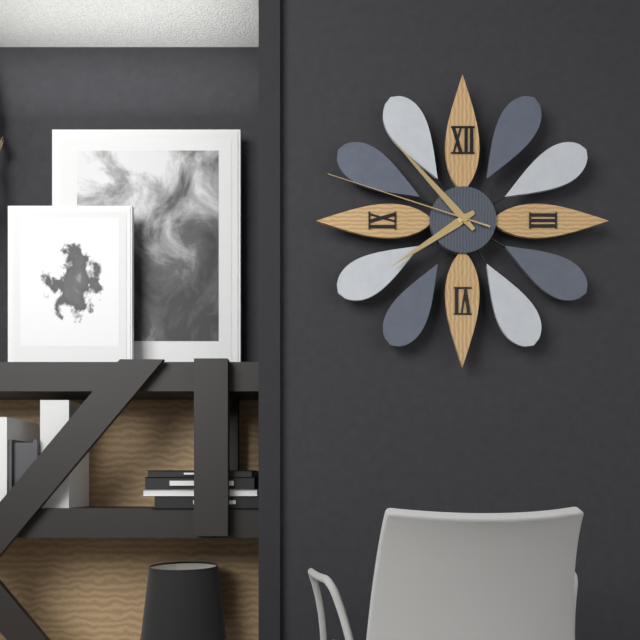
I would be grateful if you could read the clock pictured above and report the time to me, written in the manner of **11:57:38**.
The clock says **7:53:48**
